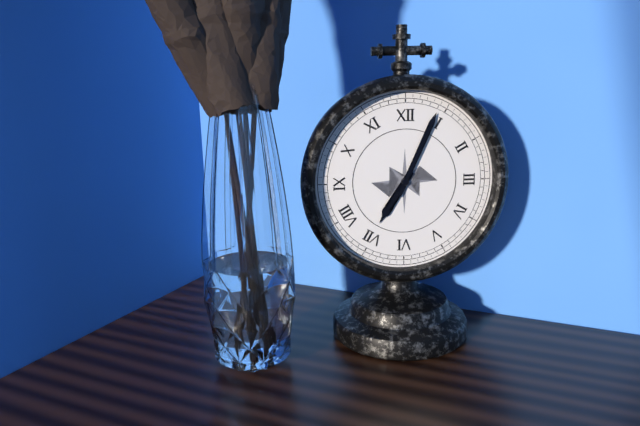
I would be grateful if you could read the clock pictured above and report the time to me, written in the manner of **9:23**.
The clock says **7:04**
